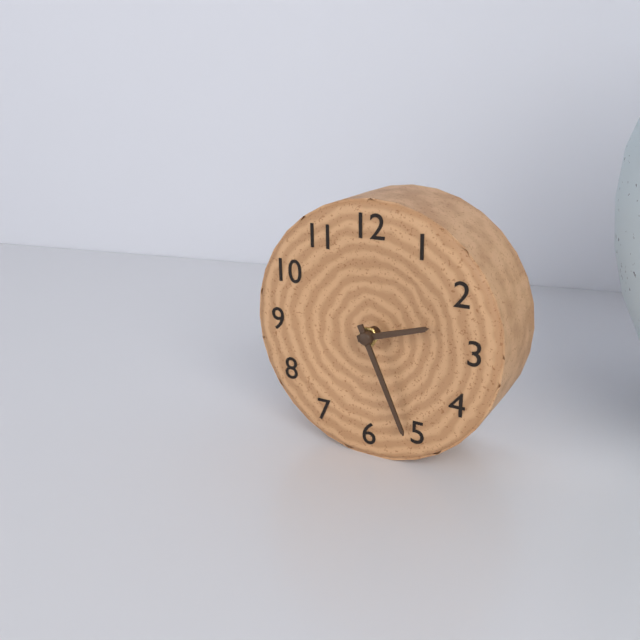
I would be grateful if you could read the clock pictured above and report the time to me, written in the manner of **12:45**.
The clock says **2:26**
